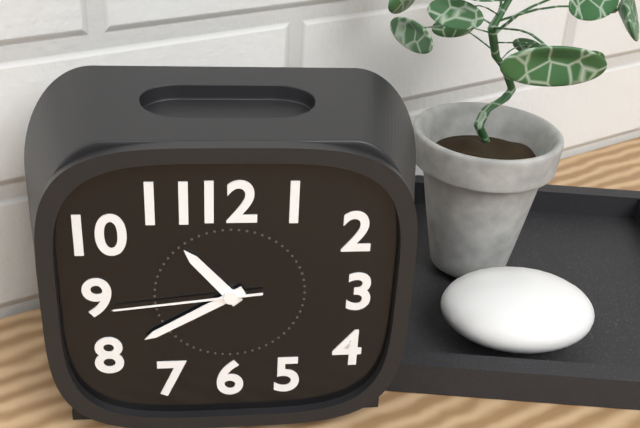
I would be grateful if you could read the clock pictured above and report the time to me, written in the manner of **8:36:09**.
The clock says **10:40:44**
